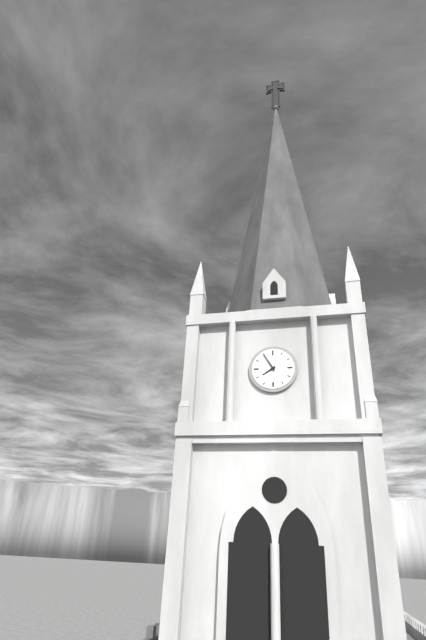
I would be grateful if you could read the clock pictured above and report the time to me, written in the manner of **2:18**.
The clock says **7:55**
